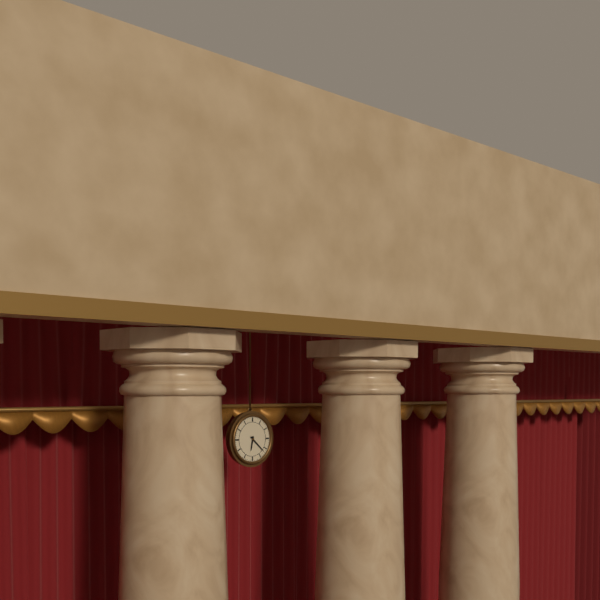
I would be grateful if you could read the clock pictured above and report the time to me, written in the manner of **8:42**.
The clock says **6:22**
